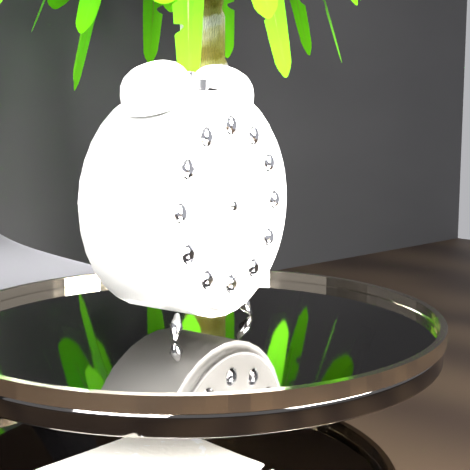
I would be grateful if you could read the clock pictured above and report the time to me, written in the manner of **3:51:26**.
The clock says **5:16:33**
